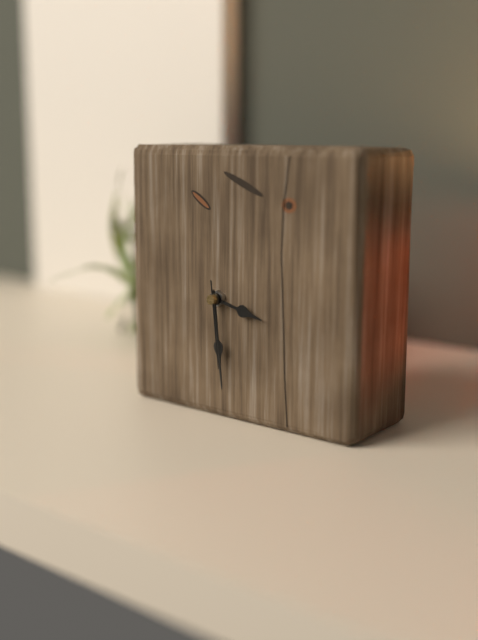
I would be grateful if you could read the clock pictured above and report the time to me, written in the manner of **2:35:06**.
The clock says **3:29:29**
